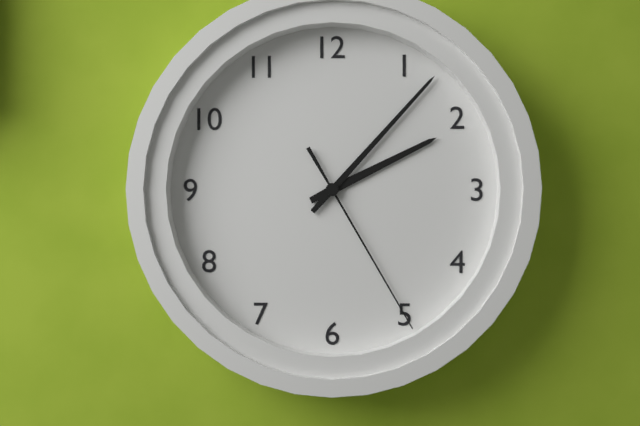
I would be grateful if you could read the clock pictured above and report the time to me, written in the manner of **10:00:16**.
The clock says **2:07:25**
